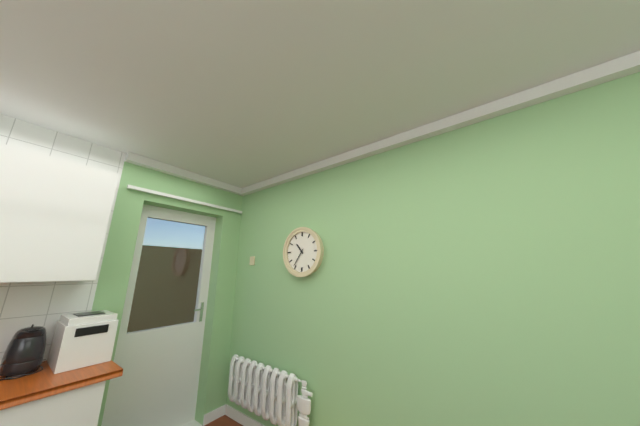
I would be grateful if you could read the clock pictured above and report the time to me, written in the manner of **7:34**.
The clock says **10:36**
